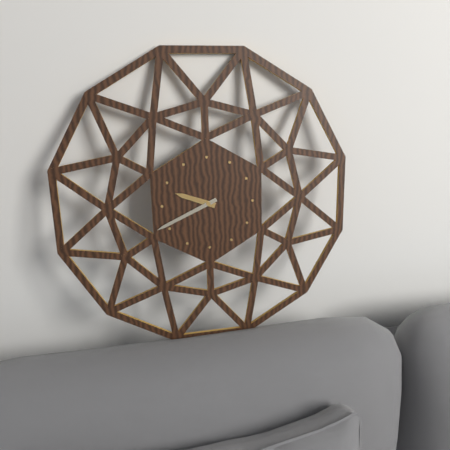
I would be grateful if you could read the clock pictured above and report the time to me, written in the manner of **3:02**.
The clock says **9:41**
